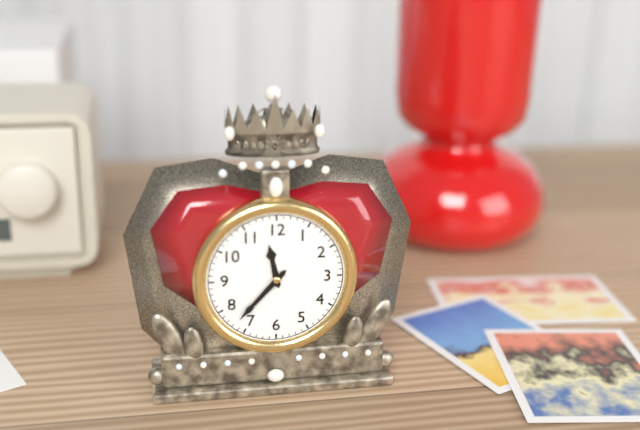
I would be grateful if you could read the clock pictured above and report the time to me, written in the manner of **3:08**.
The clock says **11:37**
